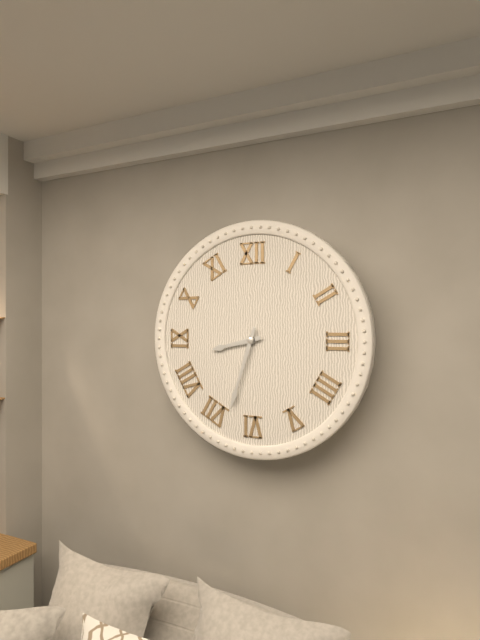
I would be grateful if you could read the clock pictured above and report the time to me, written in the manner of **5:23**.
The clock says **8:33**
